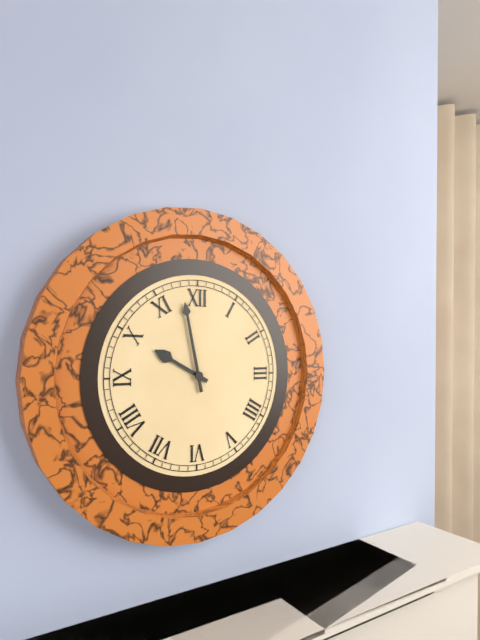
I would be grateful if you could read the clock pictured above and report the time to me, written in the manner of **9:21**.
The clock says **9:58**
